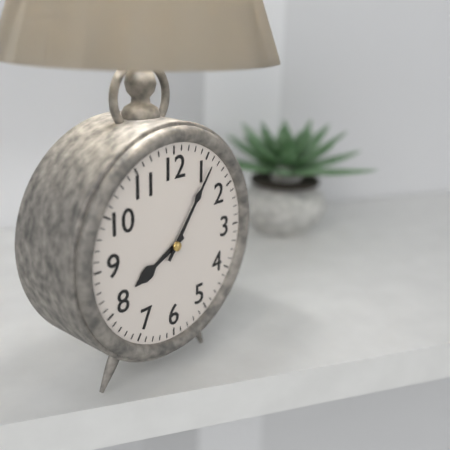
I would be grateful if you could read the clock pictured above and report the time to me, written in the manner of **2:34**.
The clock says **8:06**
